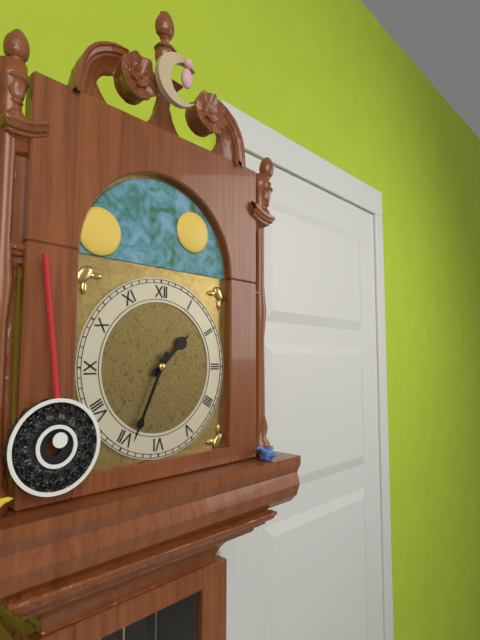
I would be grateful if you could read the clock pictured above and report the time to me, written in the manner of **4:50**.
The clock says **1:34**
